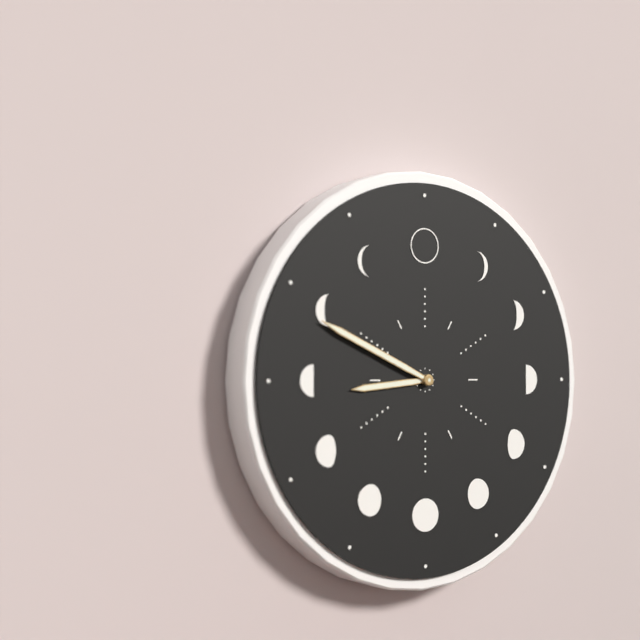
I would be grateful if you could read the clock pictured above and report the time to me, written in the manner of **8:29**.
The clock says **8:49**
